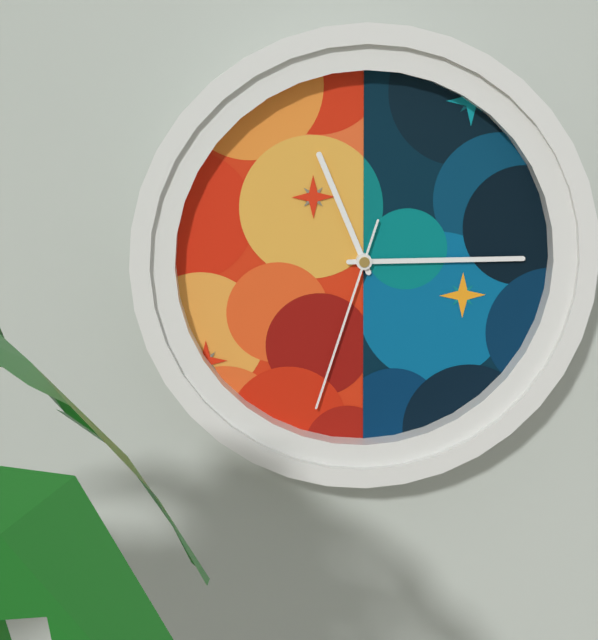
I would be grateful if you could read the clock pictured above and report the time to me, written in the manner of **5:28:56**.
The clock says **11:15:33**
